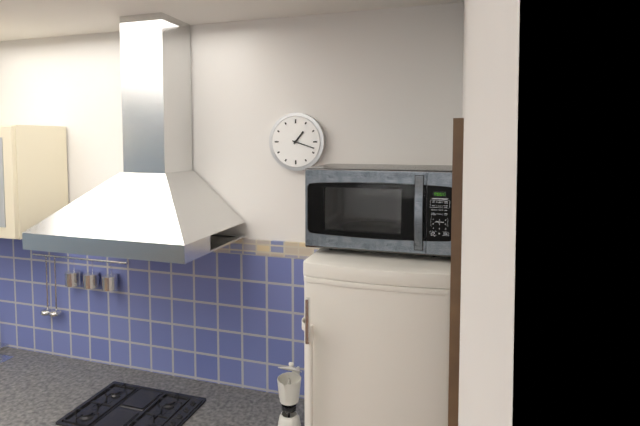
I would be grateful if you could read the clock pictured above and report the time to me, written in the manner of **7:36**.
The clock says **1:18**
